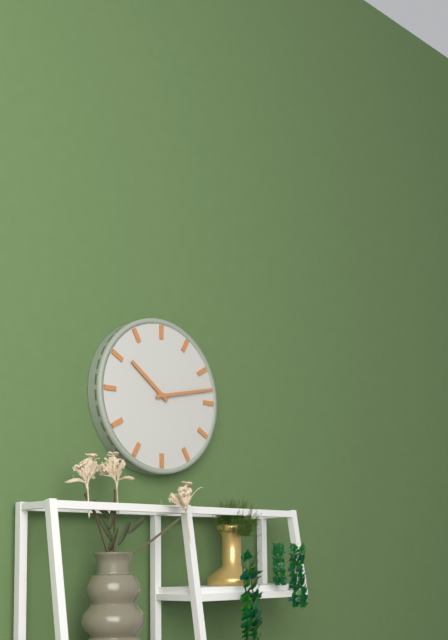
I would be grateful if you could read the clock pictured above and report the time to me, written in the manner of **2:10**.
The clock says **10:13**
